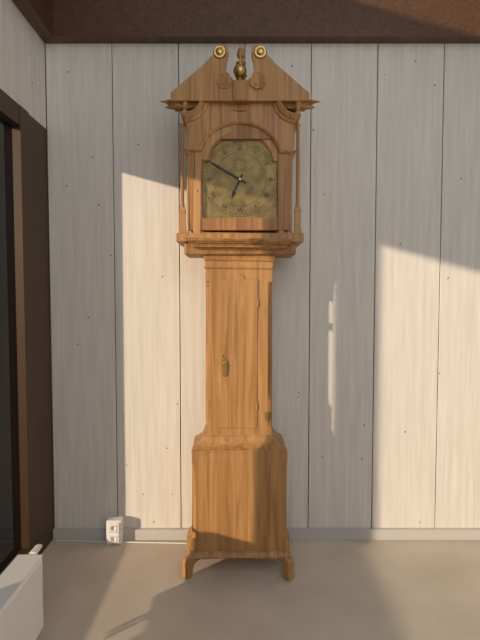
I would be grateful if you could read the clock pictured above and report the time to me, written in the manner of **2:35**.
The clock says **6:50**
